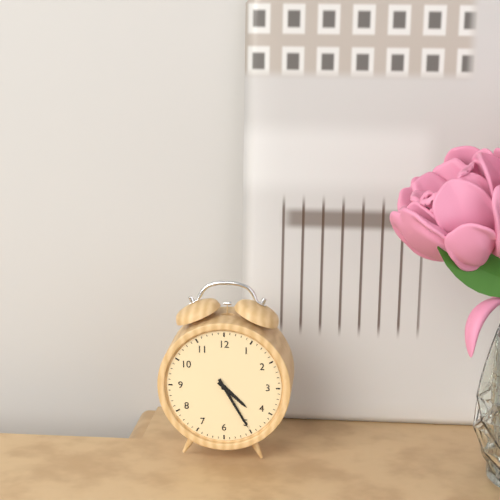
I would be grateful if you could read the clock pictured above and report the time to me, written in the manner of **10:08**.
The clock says **4:25**
